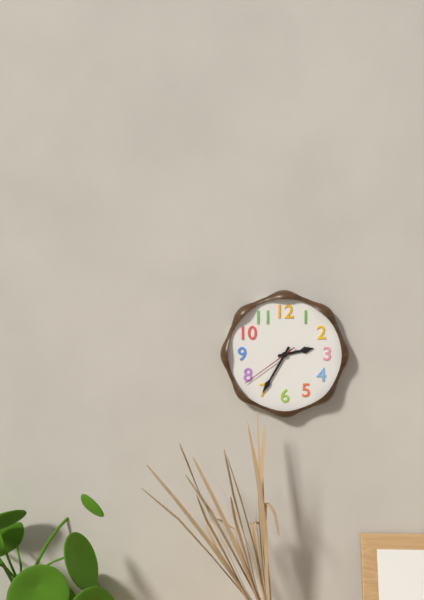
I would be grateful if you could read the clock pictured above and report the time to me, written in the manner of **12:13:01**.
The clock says **2:35:39**
